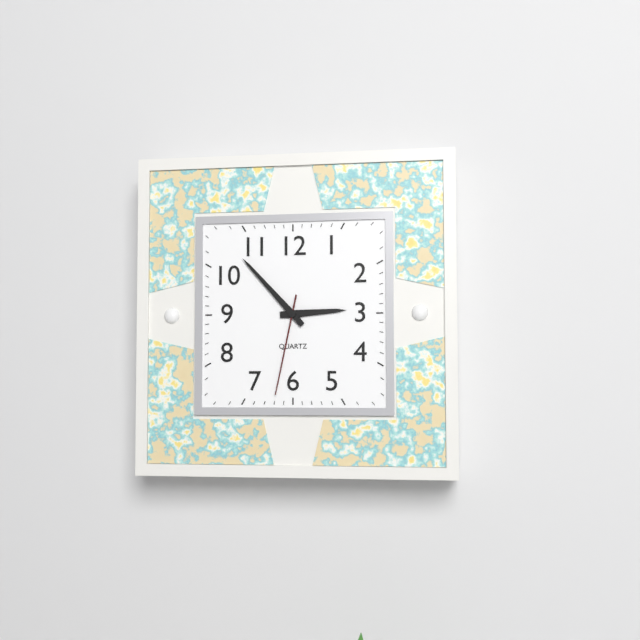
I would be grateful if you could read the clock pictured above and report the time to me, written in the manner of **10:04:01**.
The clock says **2:53:32**
